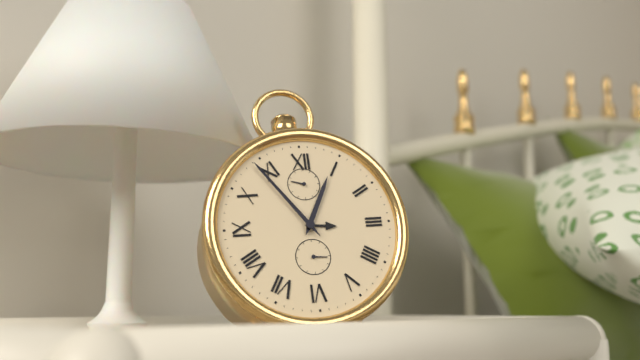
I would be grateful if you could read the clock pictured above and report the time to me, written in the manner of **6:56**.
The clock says **12:54**
